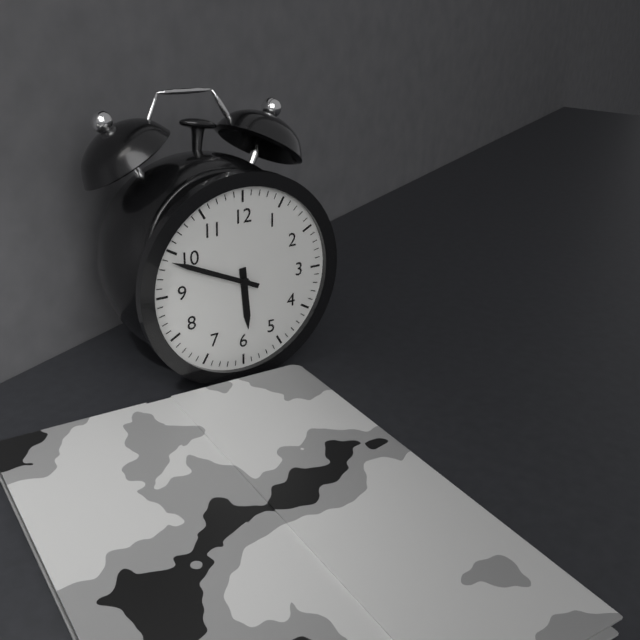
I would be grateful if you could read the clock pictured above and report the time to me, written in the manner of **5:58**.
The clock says **5:49**
